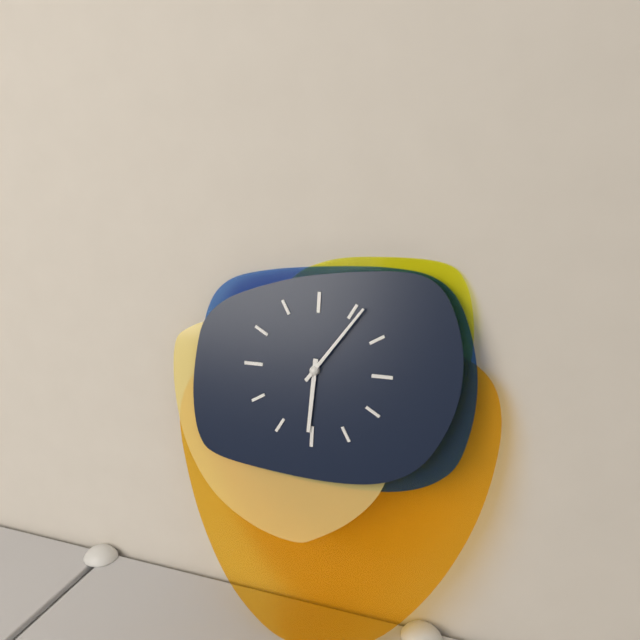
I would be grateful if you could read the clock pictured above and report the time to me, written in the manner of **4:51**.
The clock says **6:06**
